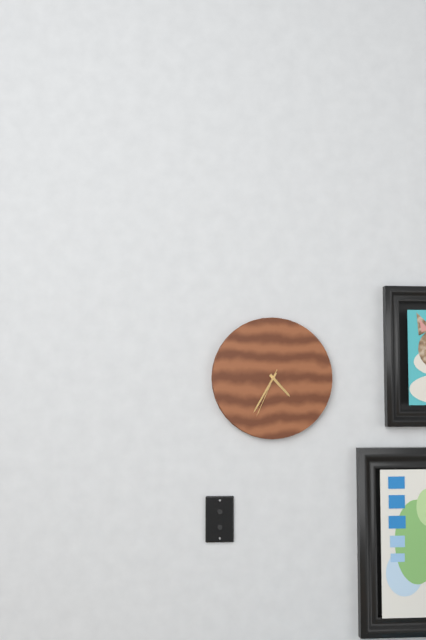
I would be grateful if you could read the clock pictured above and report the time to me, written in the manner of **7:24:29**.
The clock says **4:35:34**
